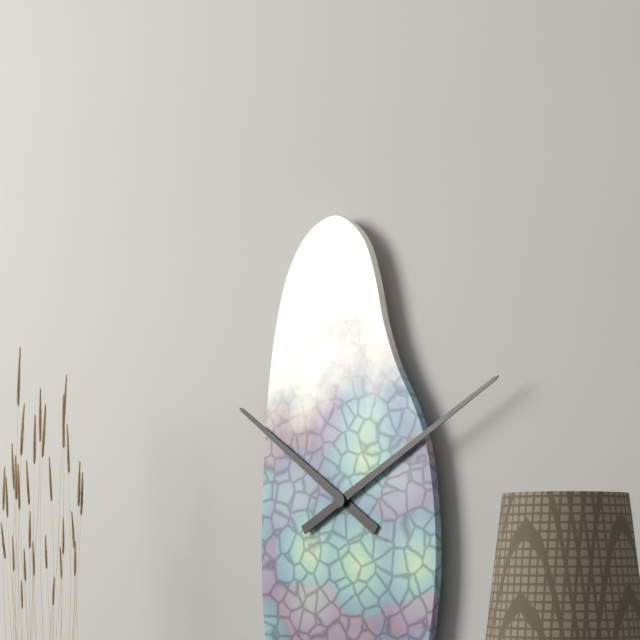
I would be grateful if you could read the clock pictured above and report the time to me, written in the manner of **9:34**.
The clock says **10:10**
